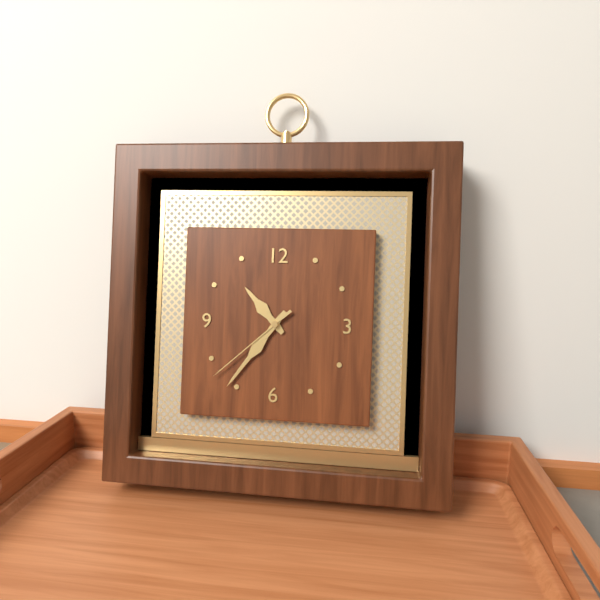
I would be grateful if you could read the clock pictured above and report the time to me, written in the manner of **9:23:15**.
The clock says **10:36:38**
